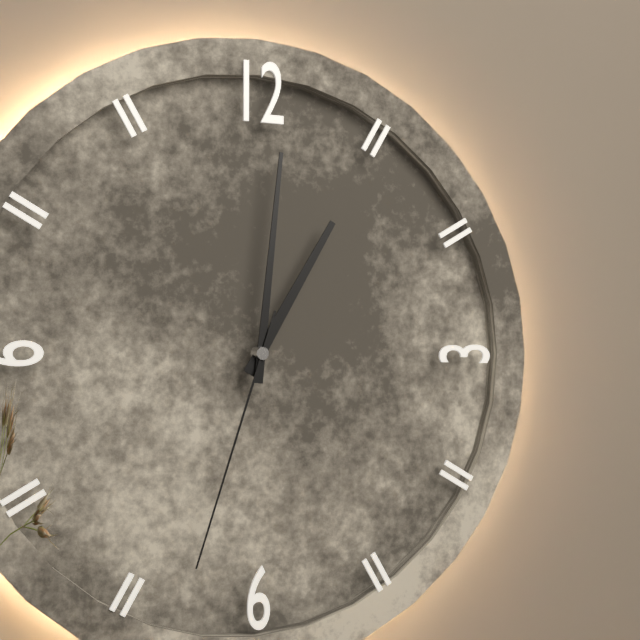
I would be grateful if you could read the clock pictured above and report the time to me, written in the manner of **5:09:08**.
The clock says **1:01:33**
